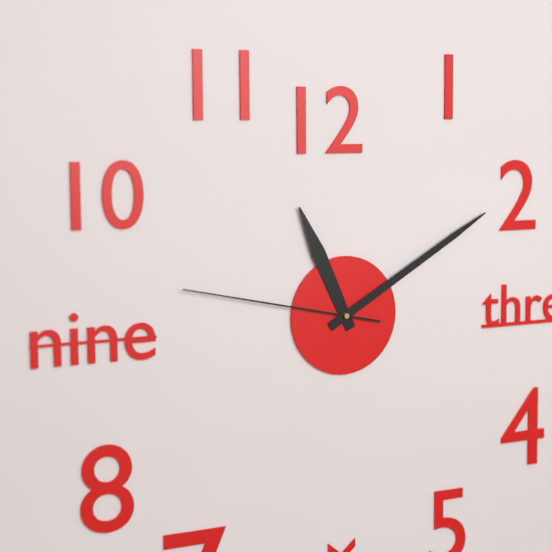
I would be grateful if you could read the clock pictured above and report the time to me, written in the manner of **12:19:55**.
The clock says **11:10:47**
